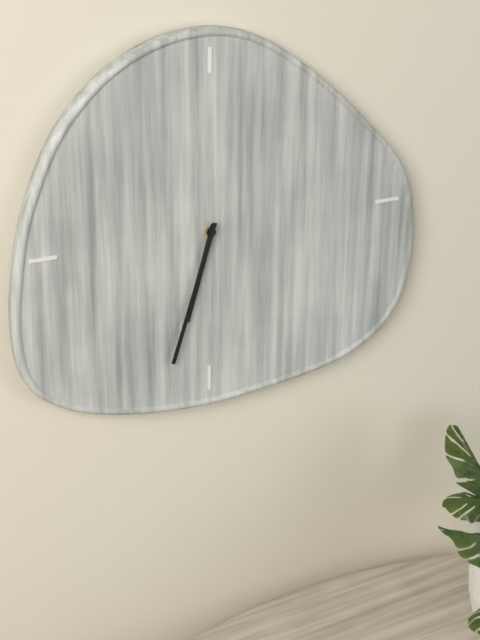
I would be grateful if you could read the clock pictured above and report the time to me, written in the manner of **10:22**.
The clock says **6:33**
